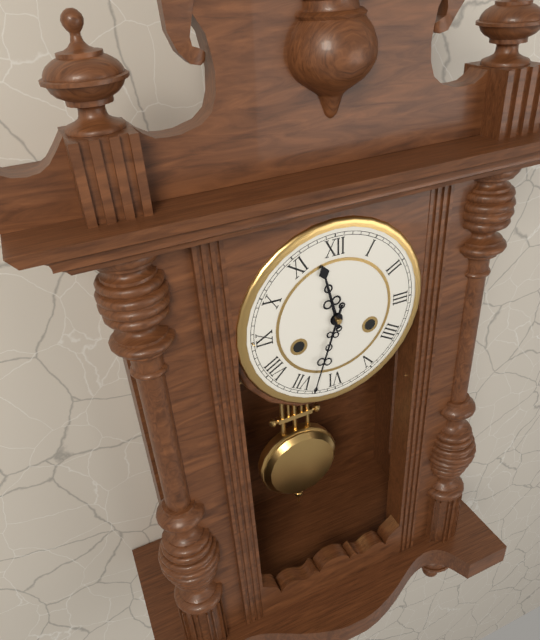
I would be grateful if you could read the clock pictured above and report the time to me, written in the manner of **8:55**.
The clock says **11:33**
